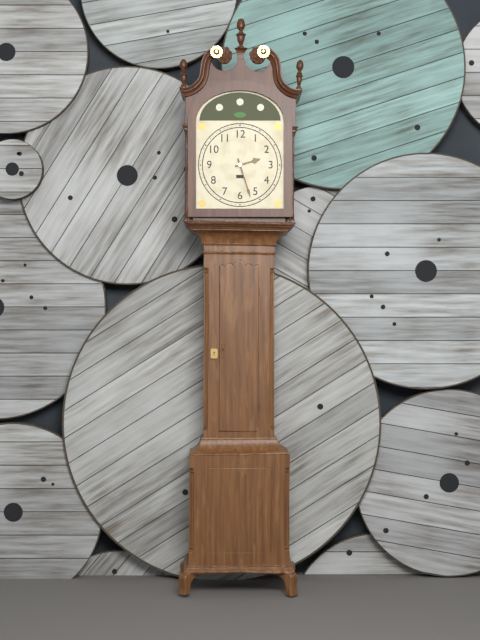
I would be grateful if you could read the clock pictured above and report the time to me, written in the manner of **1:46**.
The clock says **2:27**
